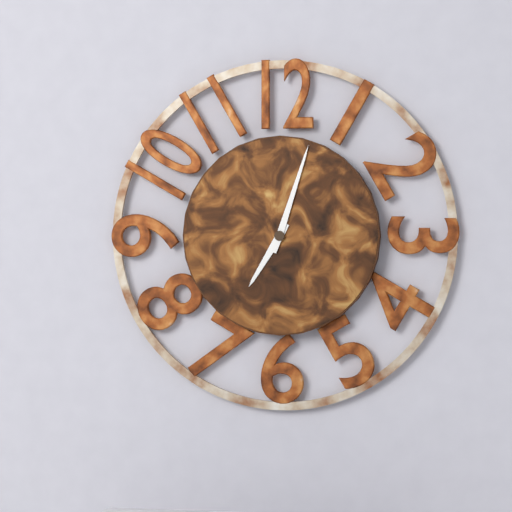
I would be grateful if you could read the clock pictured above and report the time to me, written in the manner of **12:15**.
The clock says **7:03**
